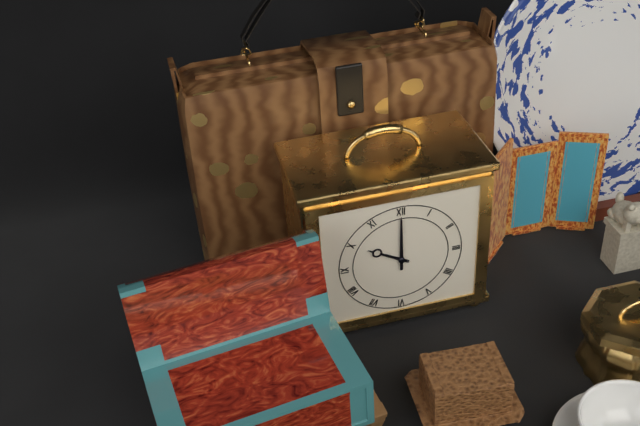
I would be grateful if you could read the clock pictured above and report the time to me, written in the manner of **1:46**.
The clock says **10:00**
